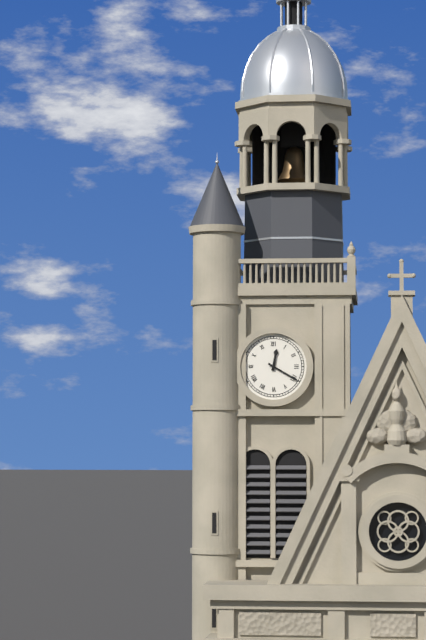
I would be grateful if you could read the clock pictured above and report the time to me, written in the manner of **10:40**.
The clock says **12:20**
